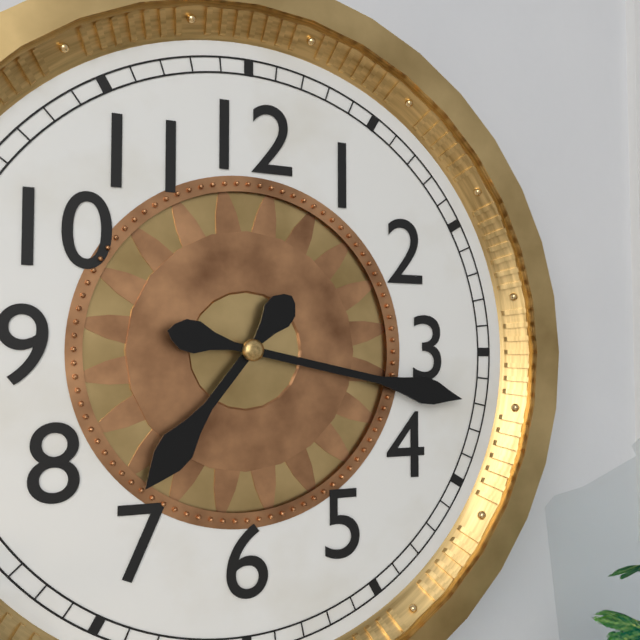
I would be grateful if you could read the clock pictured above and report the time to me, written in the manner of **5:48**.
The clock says **7:17**
